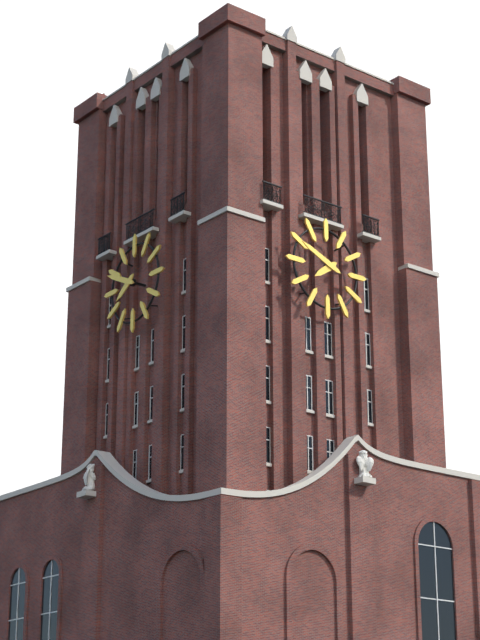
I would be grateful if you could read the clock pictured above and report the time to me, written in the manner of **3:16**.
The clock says **7:49**
